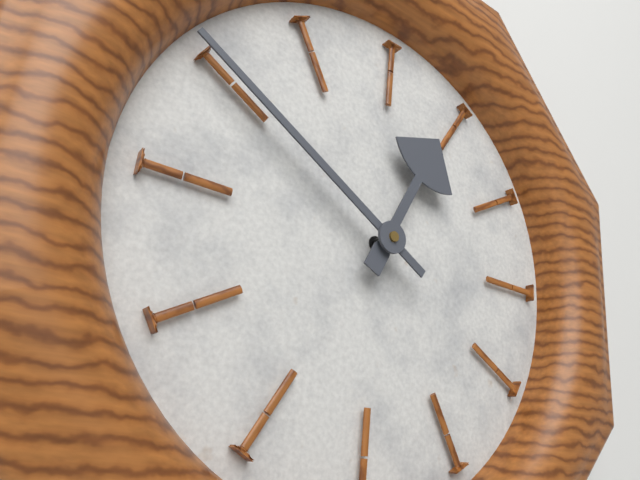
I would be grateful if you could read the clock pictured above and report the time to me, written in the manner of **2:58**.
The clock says **12:50**
